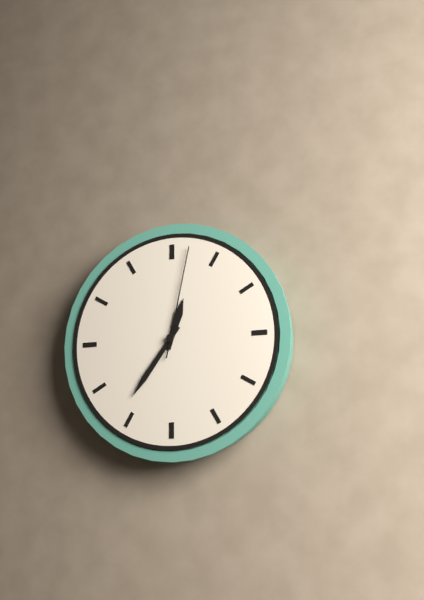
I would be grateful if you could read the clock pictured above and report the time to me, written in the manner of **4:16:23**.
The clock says **12:36:02**
